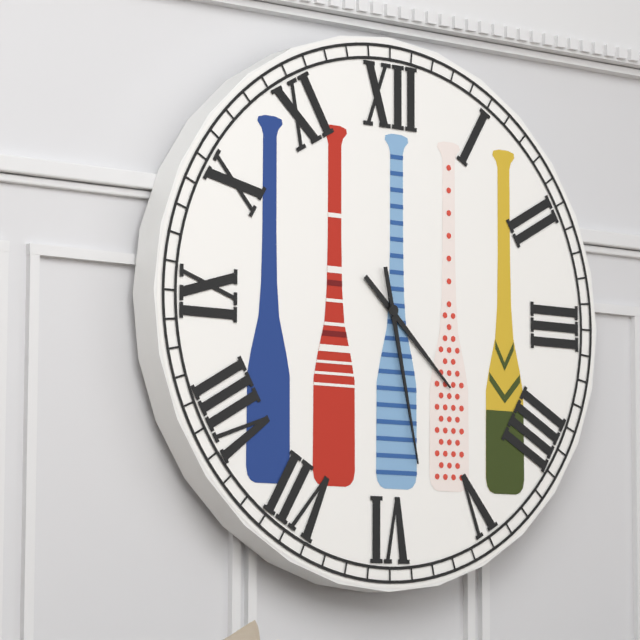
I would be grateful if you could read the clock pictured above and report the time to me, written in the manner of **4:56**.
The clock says **4:28**
